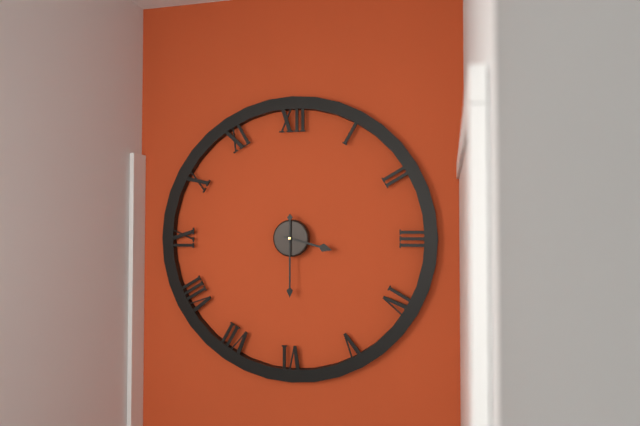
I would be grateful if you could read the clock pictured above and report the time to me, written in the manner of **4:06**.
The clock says **3:30**
